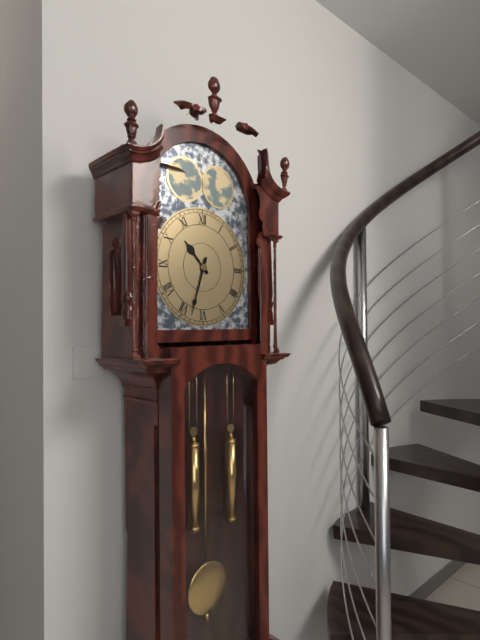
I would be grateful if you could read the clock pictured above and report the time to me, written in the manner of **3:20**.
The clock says **10:33**
